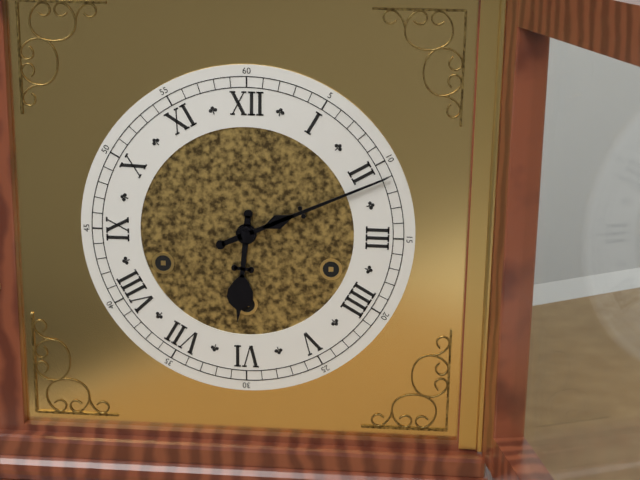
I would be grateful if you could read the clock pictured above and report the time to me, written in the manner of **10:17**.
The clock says **6:11**
